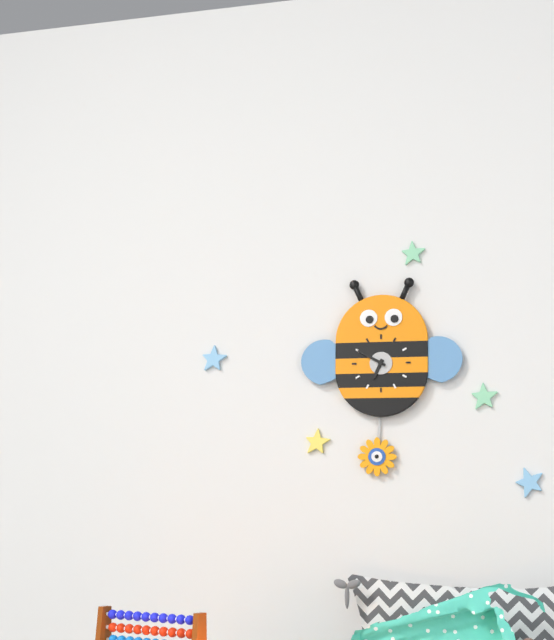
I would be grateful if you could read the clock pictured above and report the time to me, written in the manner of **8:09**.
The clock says **6:50**
